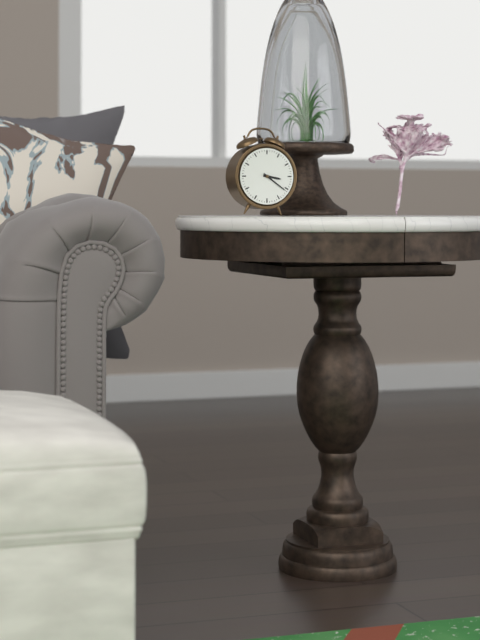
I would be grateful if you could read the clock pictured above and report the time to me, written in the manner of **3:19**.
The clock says **3:21**
